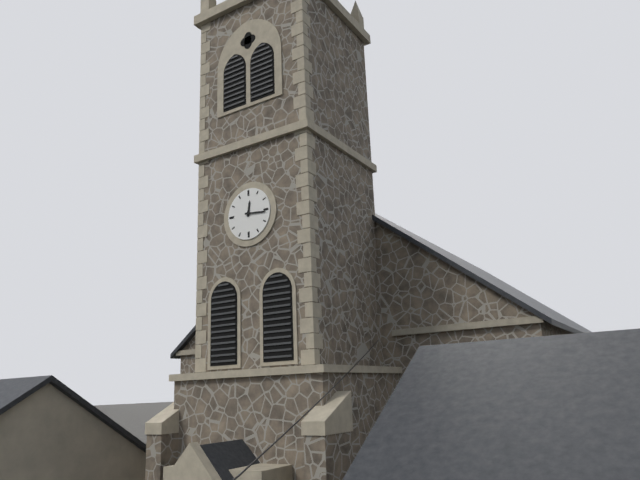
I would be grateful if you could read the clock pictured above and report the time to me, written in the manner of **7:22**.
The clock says **12:16**
